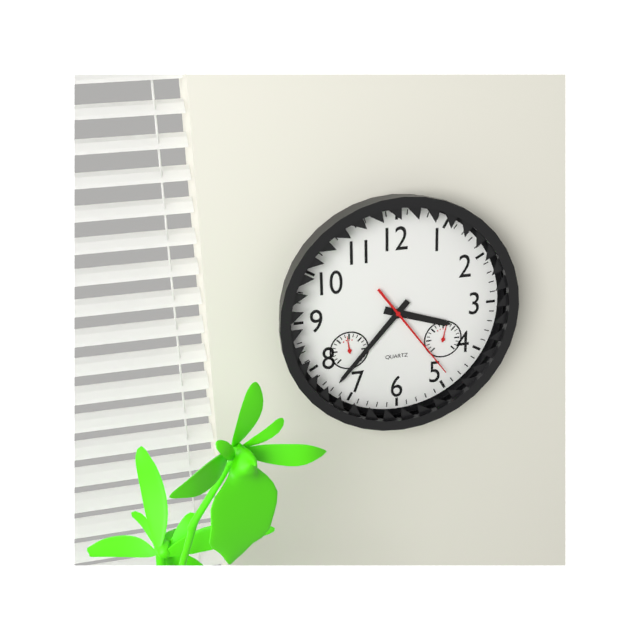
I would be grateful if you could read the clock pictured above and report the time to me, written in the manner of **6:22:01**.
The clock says **3:37:24**
